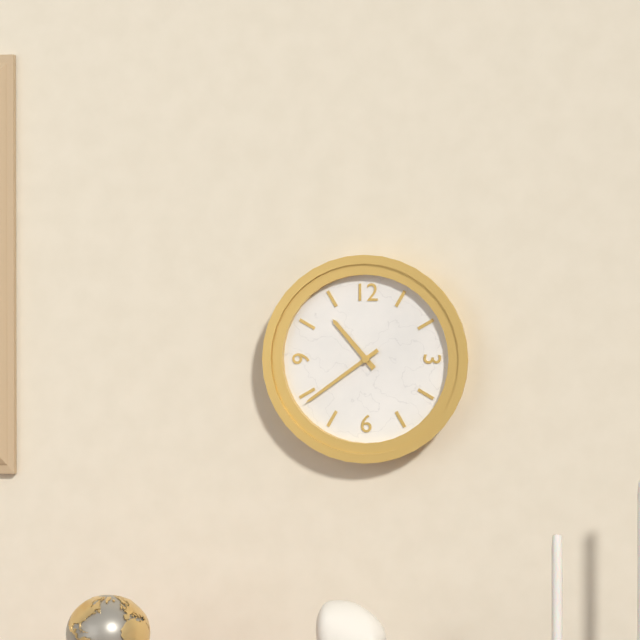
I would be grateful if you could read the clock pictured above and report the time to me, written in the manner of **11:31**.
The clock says **10:39**
